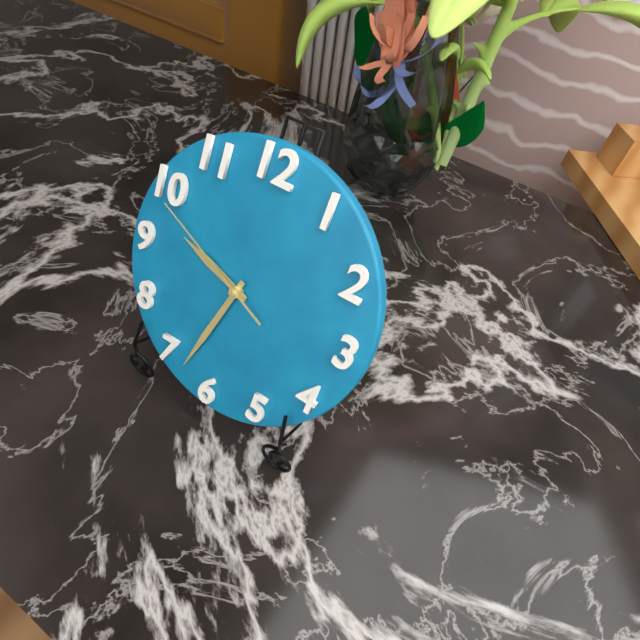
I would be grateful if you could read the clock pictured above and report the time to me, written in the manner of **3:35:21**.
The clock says **9:33:49**
